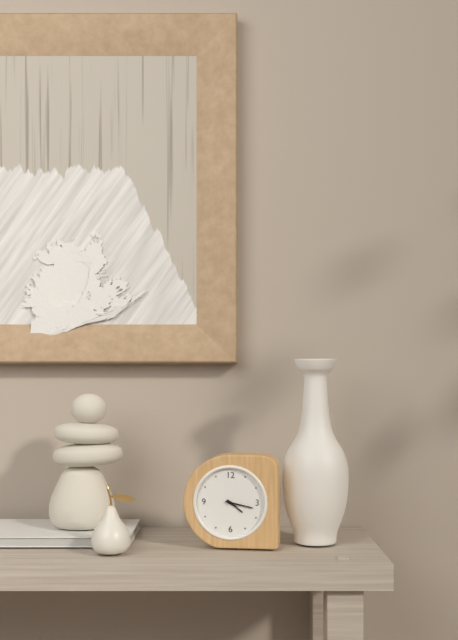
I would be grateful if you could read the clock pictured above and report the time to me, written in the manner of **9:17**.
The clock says **4:17**
